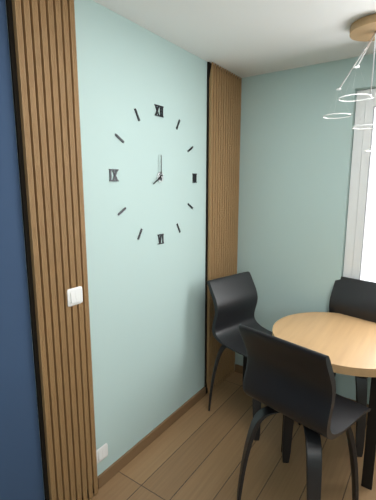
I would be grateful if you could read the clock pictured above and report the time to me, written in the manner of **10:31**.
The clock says **8:00**
